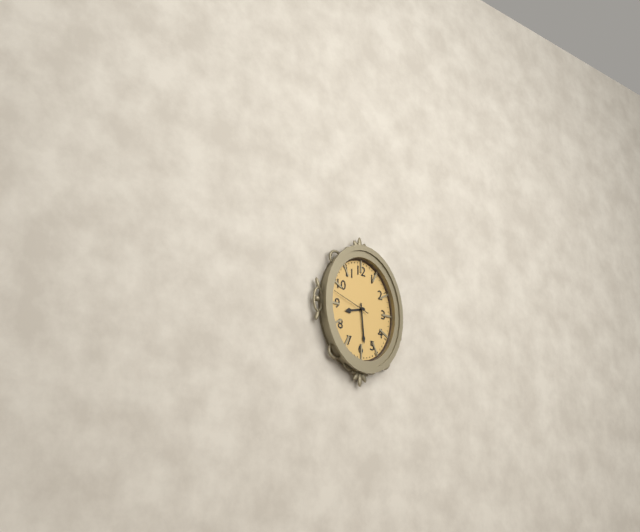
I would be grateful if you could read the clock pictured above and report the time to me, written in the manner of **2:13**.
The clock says **8:29**
